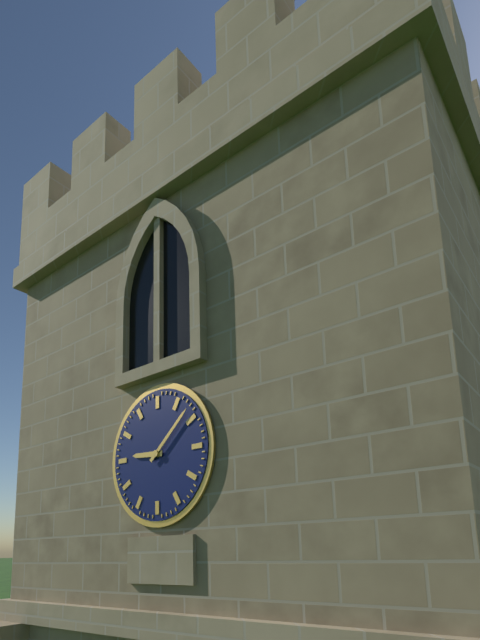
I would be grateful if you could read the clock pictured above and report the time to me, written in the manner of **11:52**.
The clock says **9:08**
